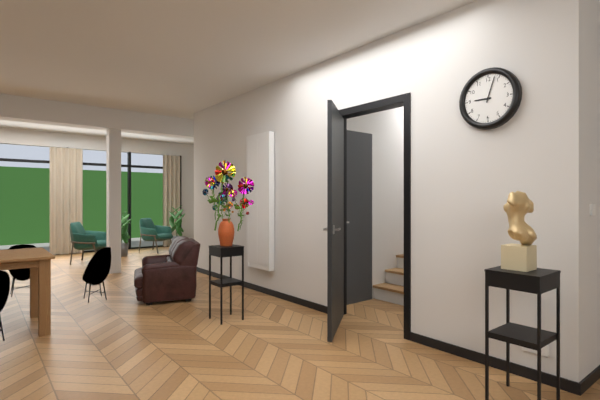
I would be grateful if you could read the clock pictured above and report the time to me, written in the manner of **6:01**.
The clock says **9:03**
